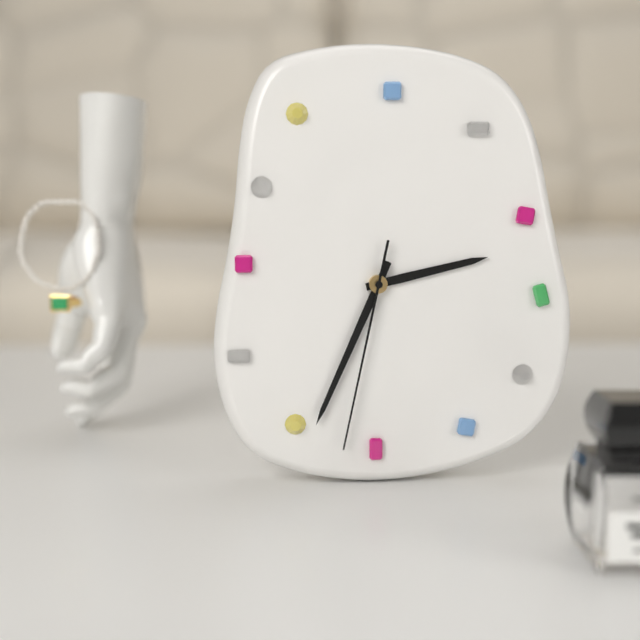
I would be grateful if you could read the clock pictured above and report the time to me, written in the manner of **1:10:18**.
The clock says **2:34:32**
